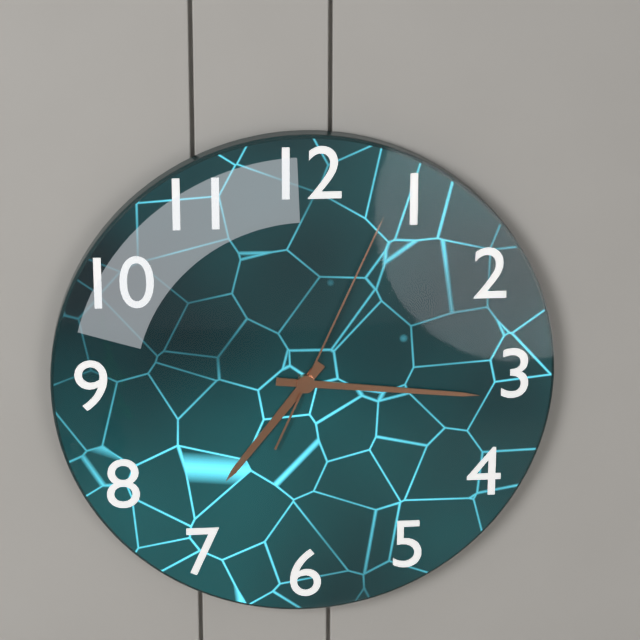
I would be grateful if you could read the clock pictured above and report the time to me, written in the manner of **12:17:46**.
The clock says **7:16:04**
